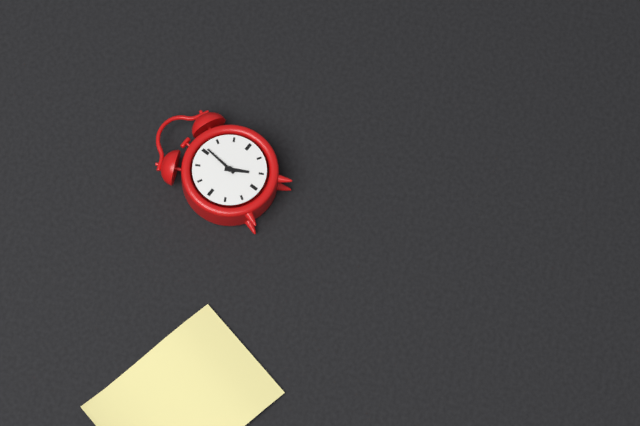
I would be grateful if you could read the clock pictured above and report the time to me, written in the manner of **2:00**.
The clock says **5:01**
